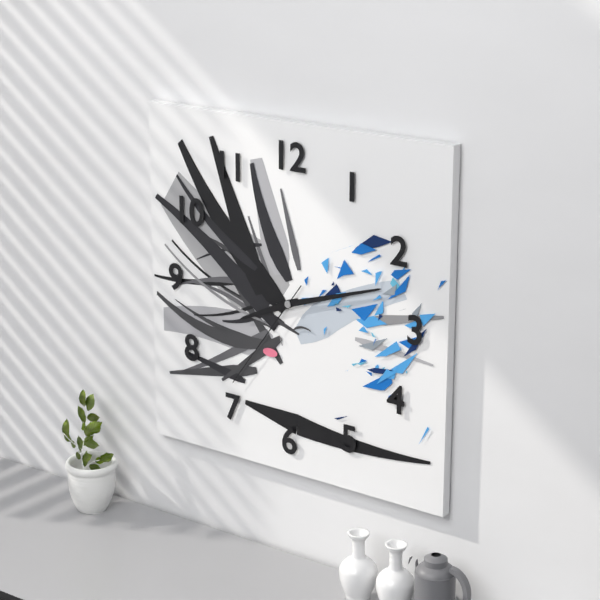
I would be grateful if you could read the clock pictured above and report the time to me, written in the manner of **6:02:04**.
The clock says **8:12:36**
